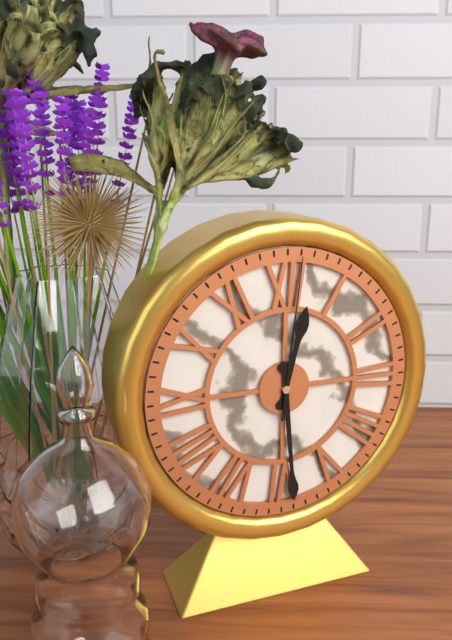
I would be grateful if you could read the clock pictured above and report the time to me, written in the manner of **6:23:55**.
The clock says **12:29:01**
